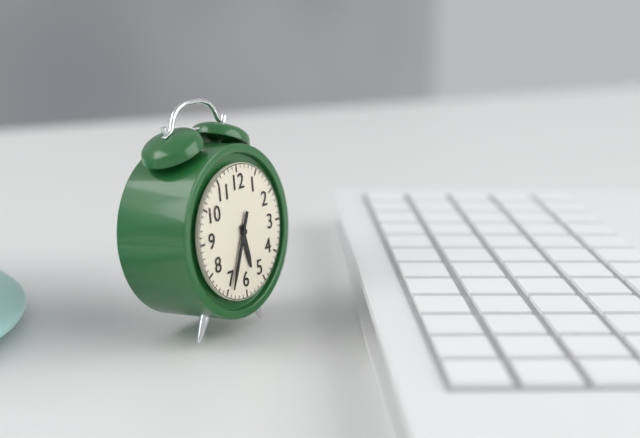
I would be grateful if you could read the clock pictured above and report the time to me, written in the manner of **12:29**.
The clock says **5:34**
